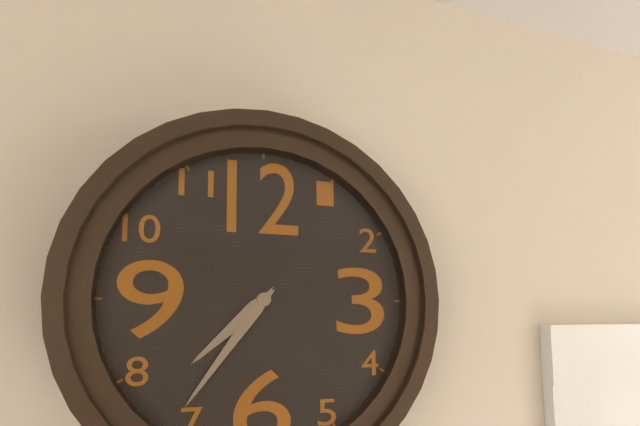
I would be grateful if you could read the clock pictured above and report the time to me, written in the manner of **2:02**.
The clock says **7:36**
